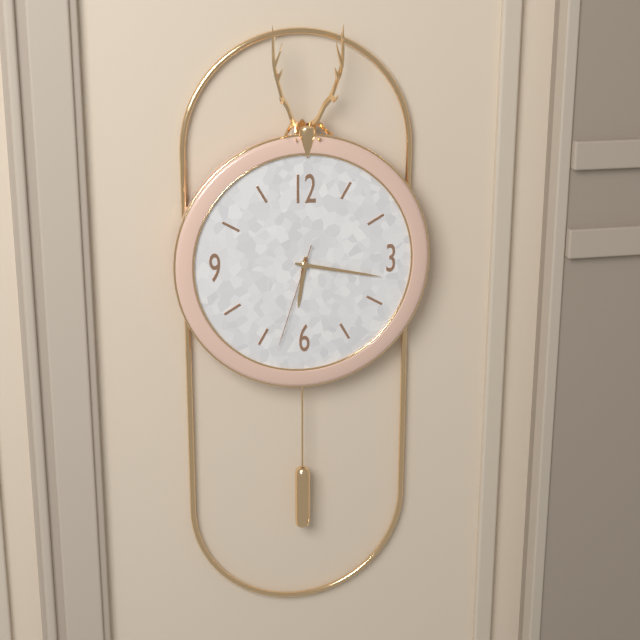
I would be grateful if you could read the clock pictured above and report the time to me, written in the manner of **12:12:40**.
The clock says **6:17:33**
